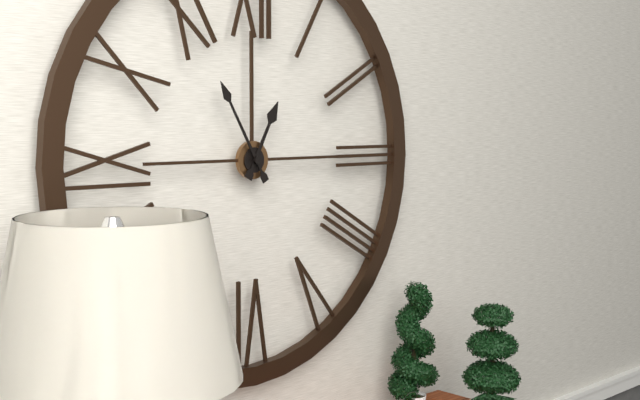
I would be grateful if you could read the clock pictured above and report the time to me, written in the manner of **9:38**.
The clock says **12:55**
